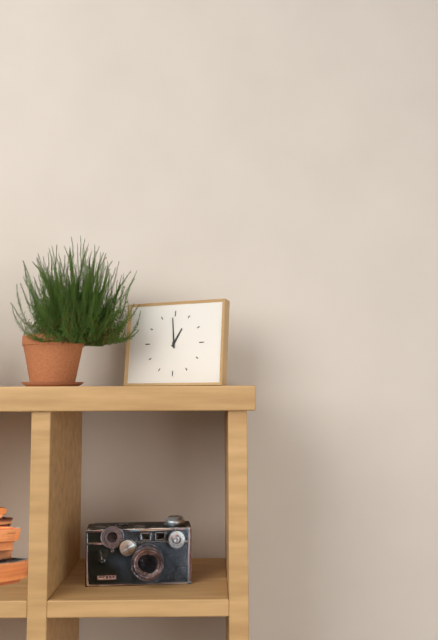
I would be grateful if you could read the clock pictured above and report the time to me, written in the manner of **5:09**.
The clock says **12:59**
